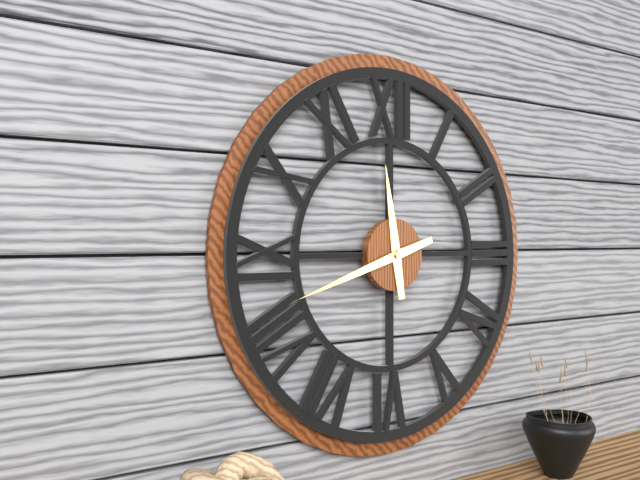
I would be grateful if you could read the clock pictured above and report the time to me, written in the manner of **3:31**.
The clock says **11:42**
